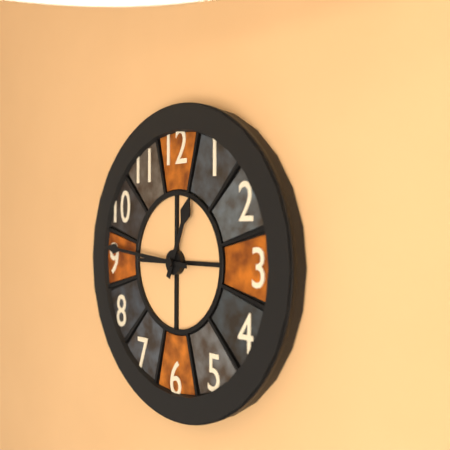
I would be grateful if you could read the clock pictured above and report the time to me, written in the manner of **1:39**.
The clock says **12:46**
